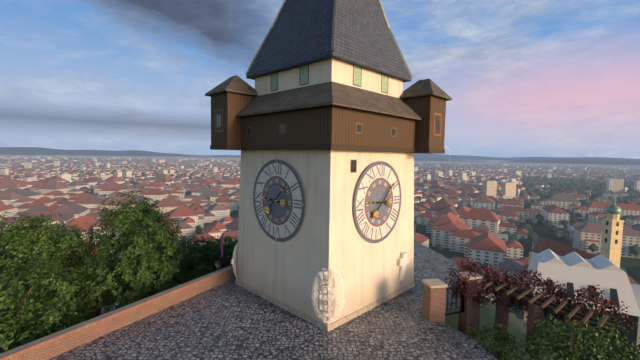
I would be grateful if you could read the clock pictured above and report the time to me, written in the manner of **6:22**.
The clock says **9:08**
